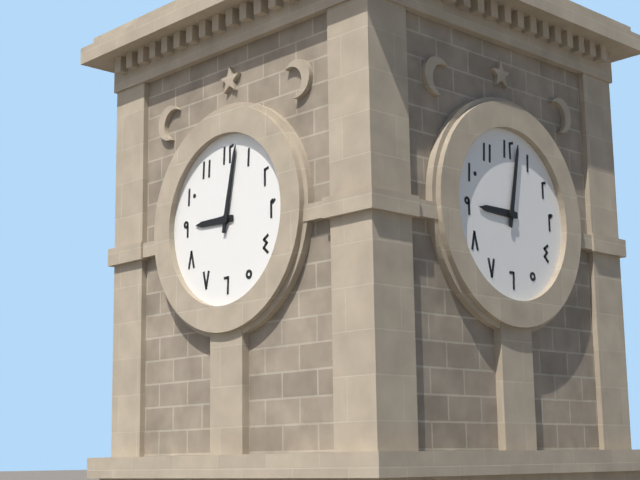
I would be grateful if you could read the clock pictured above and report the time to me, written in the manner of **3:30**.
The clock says **9:02**
